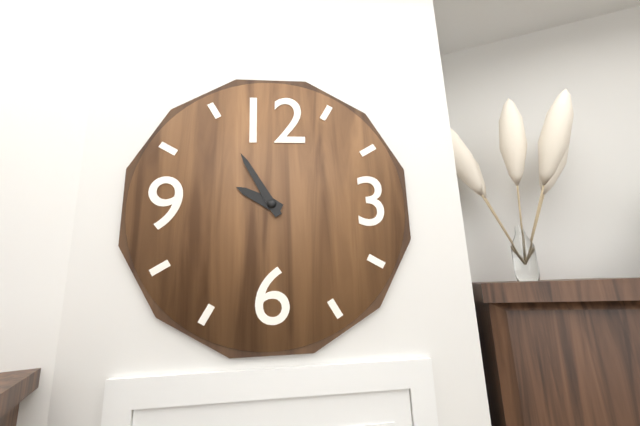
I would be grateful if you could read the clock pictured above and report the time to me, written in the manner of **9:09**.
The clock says **9:55**
